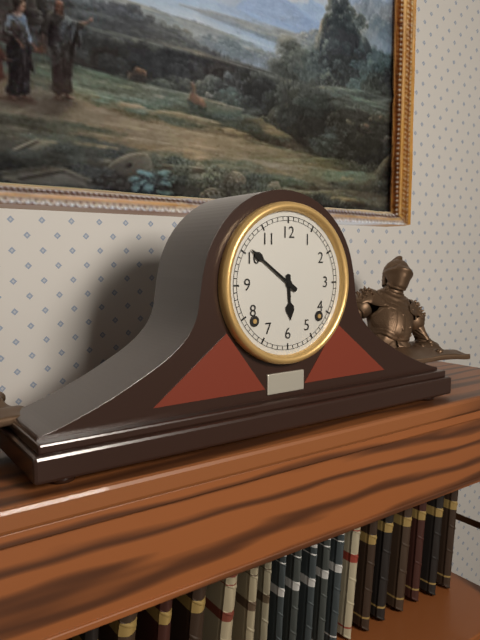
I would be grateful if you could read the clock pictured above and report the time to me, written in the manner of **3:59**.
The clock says **5:51**
